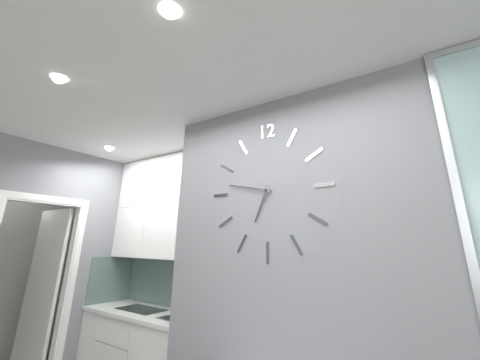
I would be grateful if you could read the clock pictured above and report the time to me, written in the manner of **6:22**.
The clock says **6:47**
